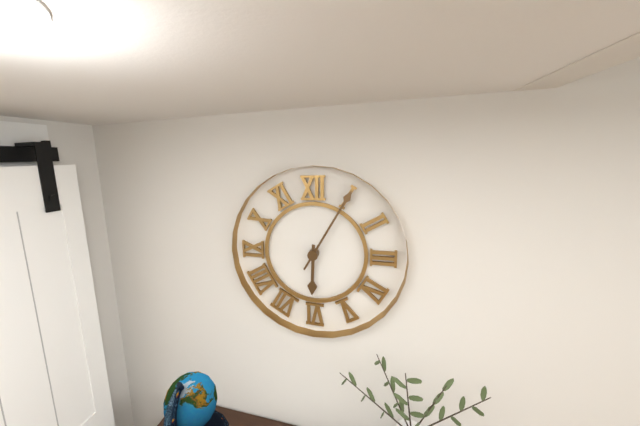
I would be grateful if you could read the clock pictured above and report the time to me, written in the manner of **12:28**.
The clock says **6:05**
